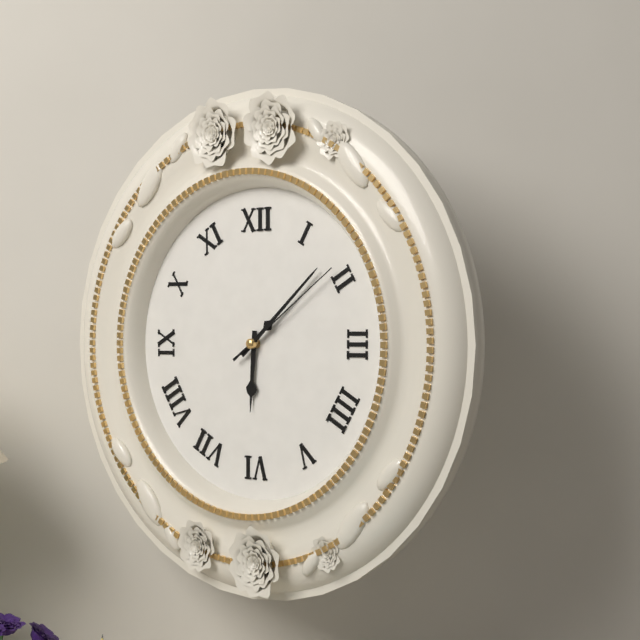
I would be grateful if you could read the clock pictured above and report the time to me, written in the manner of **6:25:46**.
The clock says **6:08:09**
